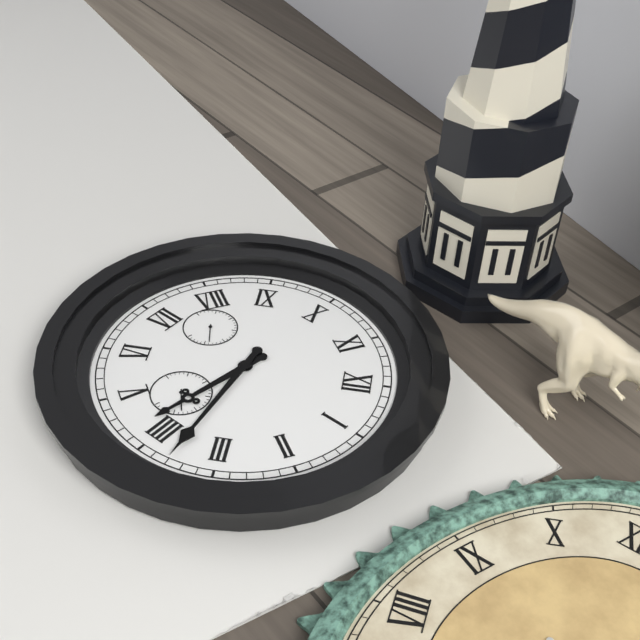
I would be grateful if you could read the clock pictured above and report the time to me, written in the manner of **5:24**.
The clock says **4:18**
